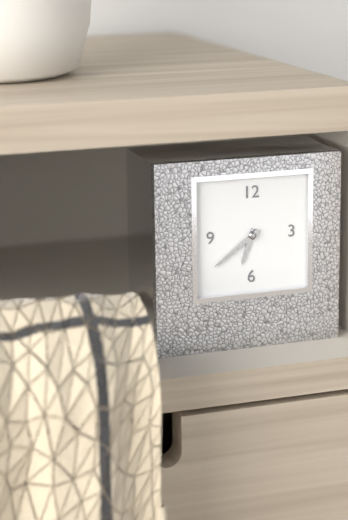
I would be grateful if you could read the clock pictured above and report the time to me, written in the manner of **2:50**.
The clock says **6:39**
